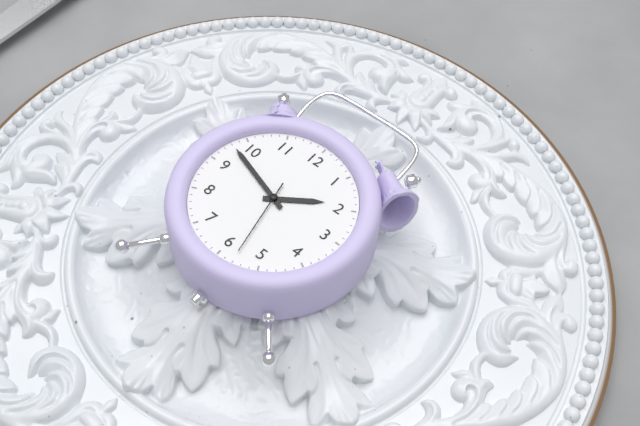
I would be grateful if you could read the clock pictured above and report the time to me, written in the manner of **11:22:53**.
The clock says **1:48:28**
